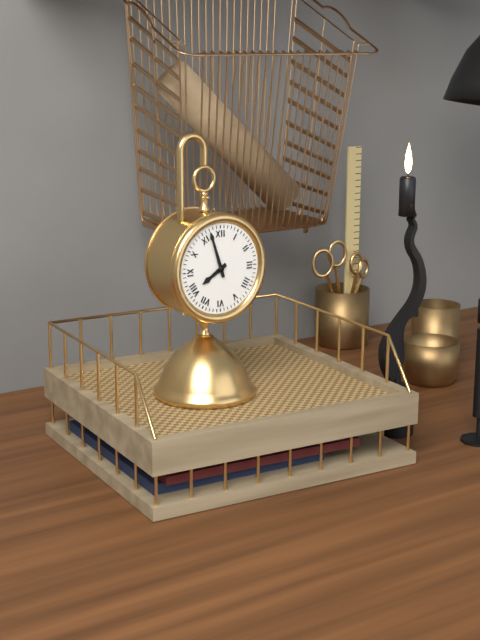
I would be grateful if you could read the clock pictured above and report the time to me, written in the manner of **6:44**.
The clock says **7:57**
